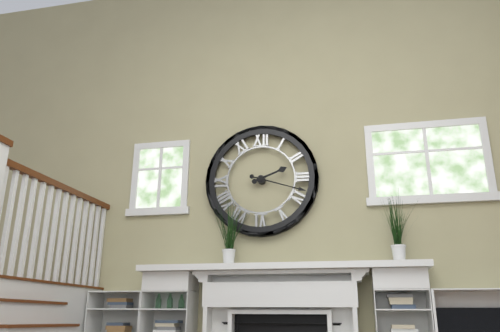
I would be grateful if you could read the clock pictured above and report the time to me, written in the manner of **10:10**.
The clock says **2:18**
